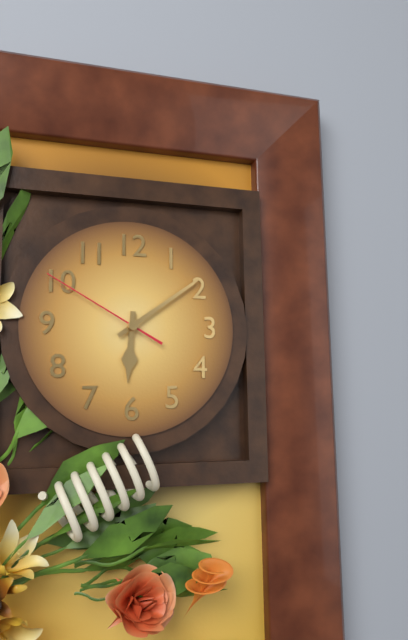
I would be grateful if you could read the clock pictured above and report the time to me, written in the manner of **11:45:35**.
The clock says **6:09:50**
